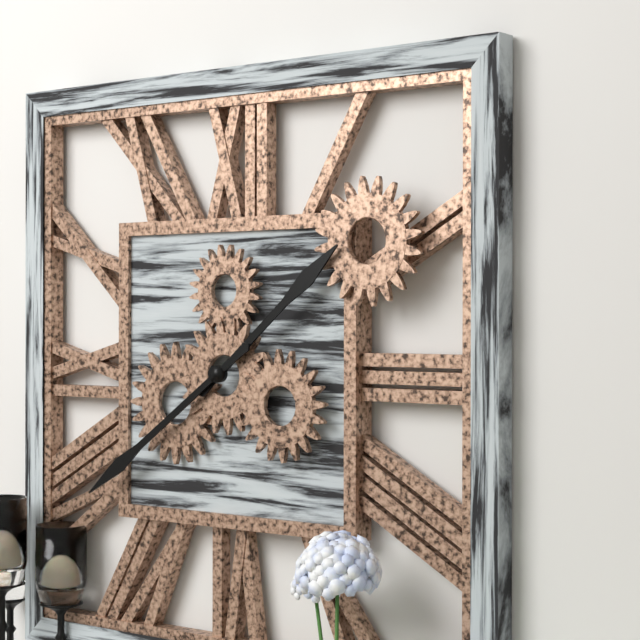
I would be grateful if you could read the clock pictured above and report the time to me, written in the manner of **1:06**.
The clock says **1:39**
